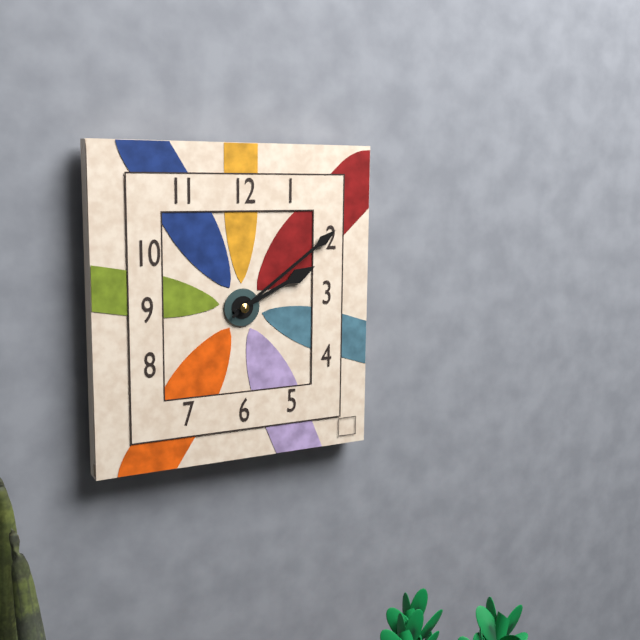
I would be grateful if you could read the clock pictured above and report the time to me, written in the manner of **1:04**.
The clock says **2:09**
